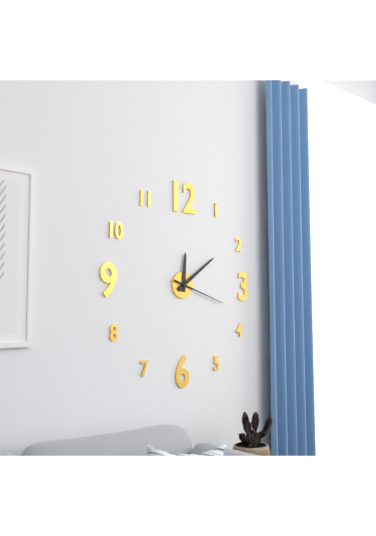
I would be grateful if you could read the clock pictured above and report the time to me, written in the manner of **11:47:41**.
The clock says **12:09:18**
